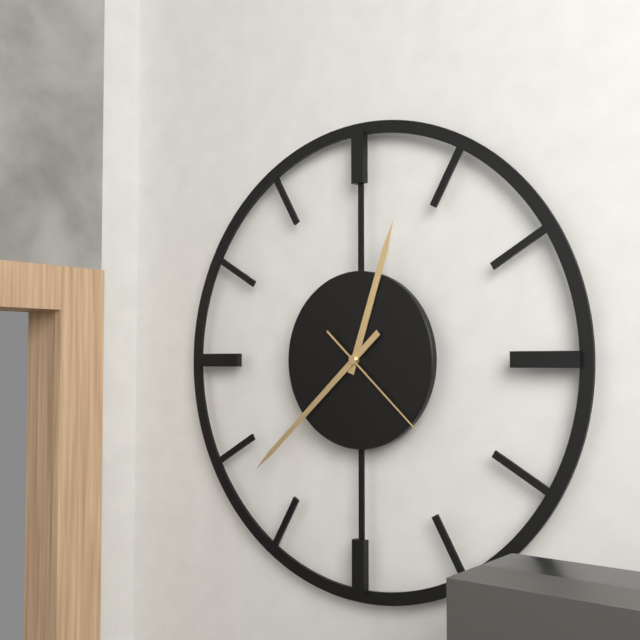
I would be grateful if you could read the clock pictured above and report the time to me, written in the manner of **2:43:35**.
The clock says **12:38:22**
